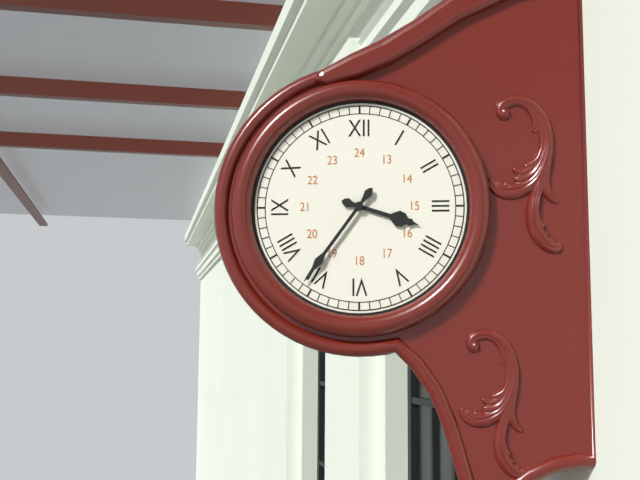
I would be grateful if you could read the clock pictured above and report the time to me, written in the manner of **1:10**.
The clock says **3:36**
